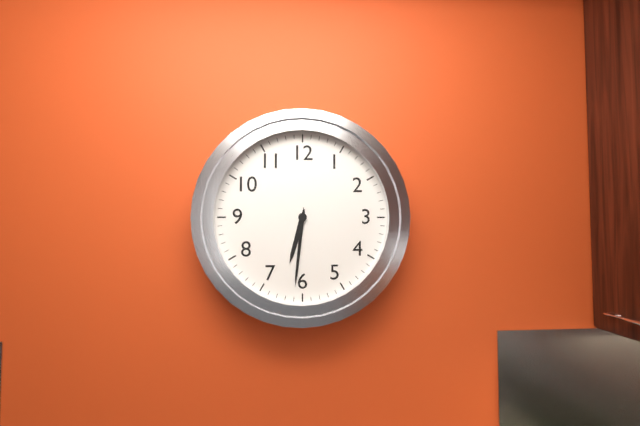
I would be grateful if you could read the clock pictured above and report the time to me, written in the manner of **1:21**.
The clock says **6:31**
